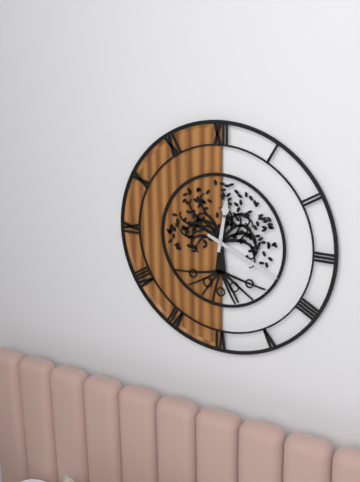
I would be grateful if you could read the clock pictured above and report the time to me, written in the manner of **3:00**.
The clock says **12:19**
